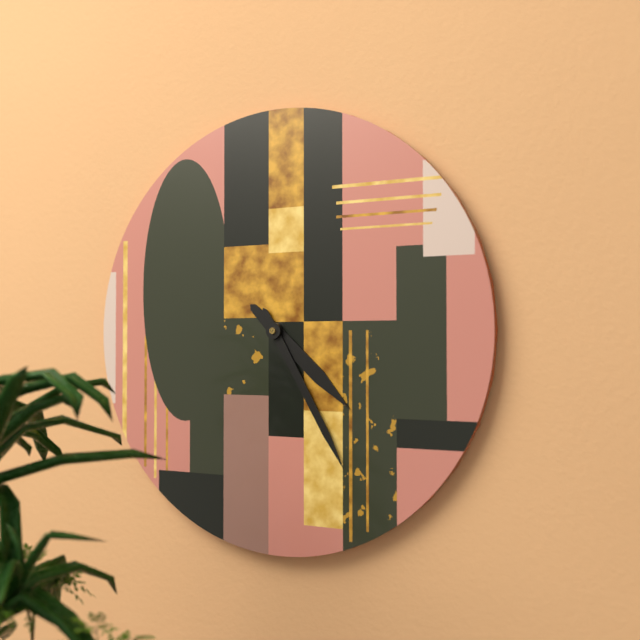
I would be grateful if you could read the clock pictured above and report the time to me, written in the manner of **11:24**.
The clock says **4:25**
